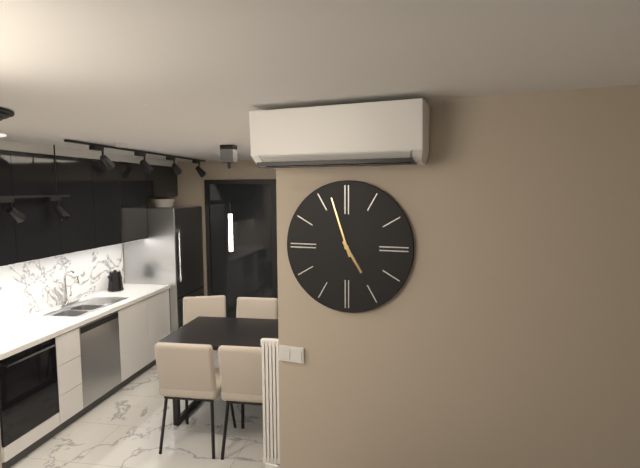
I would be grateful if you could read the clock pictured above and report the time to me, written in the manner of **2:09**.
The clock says **4:57**
